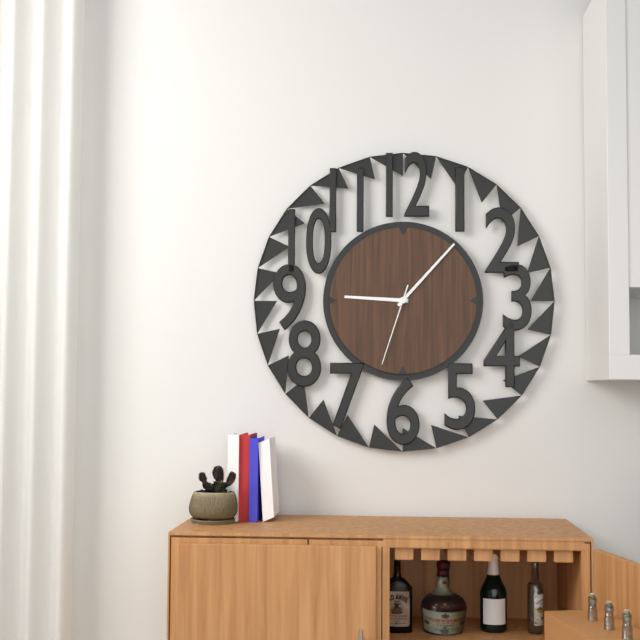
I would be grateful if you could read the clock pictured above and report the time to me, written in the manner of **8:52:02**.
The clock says **9:07:33**
